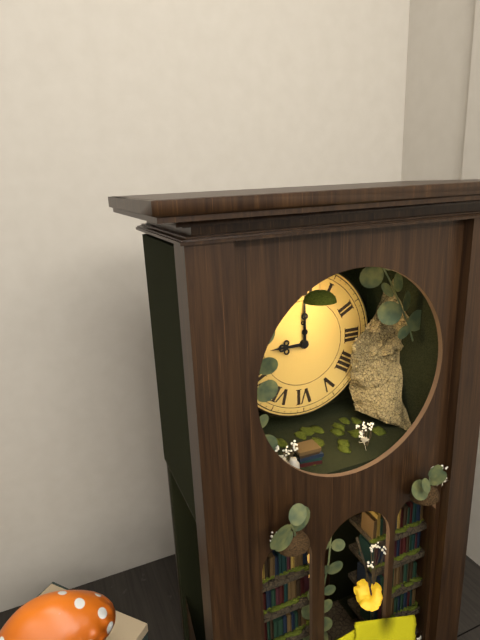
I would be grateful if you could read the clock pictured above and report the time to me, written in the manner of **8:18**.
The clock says **9:00**
